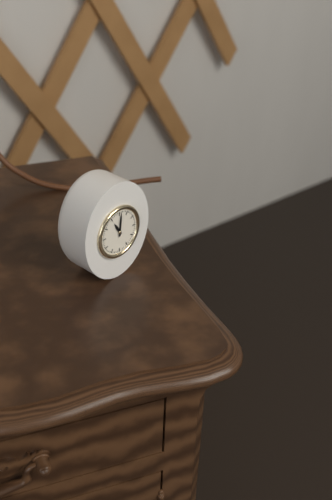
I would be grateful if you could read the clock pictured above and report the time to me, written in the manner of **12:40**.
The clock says **11:01**
